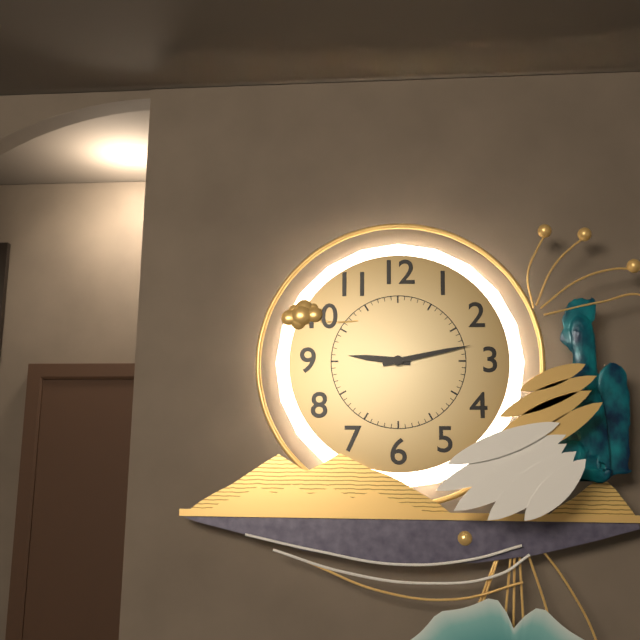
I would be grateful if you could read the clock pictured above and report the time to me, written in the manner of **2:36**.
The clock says **9:13**
